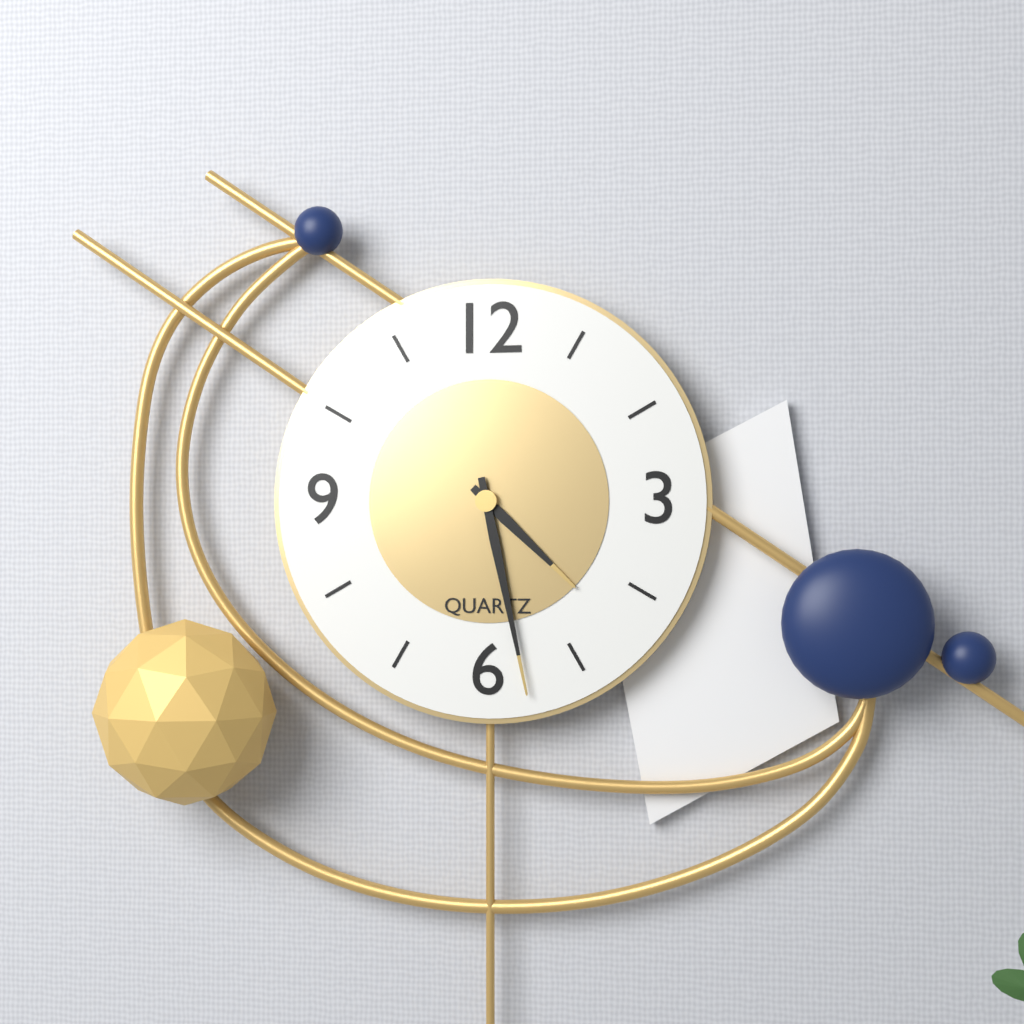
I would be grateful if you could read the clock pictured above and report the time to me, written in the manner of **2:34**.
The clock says **4:28**
